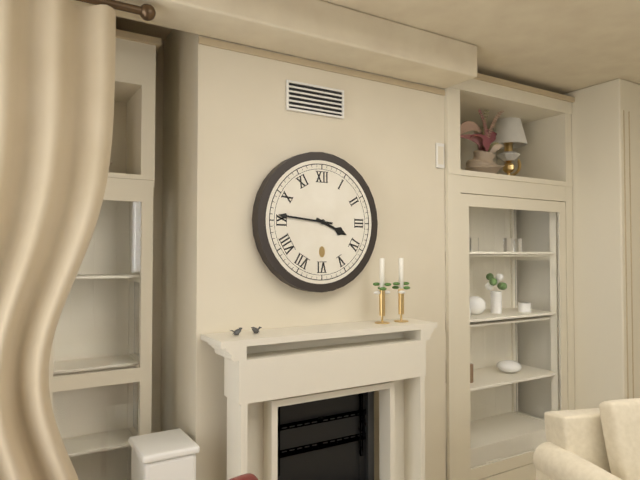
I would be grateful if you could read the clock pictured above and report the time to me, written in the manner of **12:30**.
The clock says **3:46**
